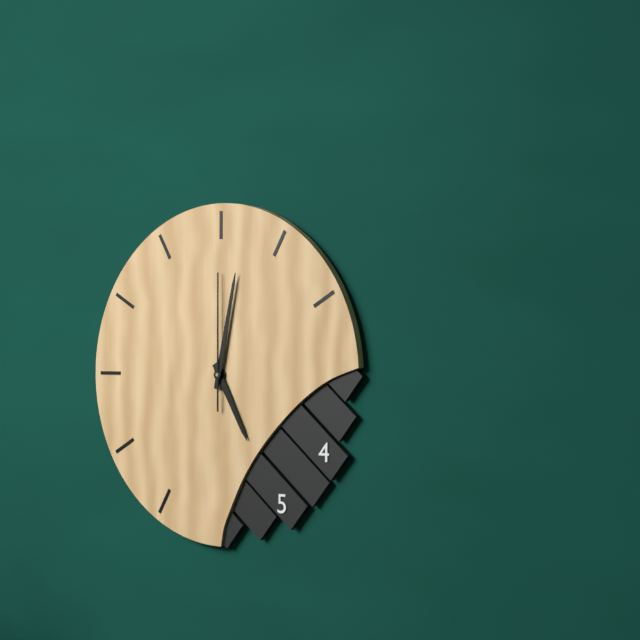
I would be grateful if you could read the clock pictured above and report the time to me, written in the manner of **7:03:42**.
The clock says **5:02:00**
